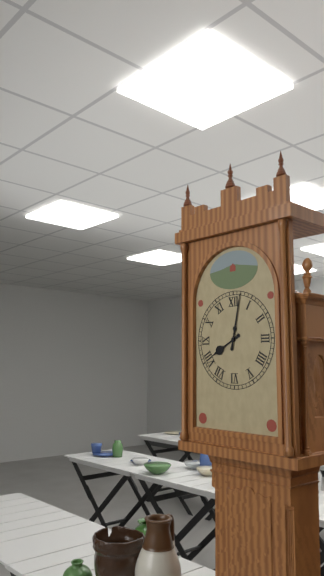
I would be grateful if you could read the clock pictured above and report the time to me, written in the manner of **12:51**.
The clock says **8:02**
